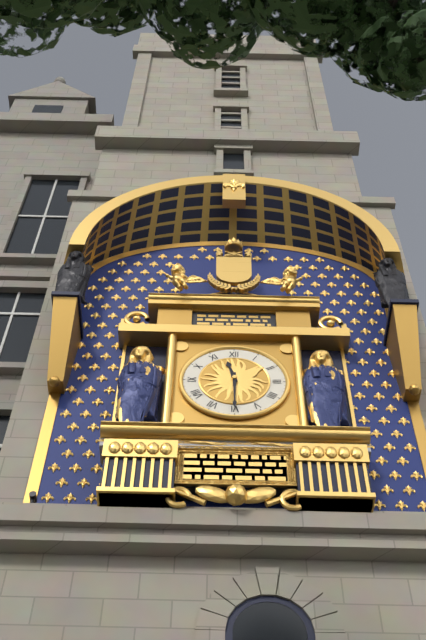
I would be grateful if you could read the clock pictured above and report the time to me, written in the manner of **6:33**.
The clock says **11:30**
